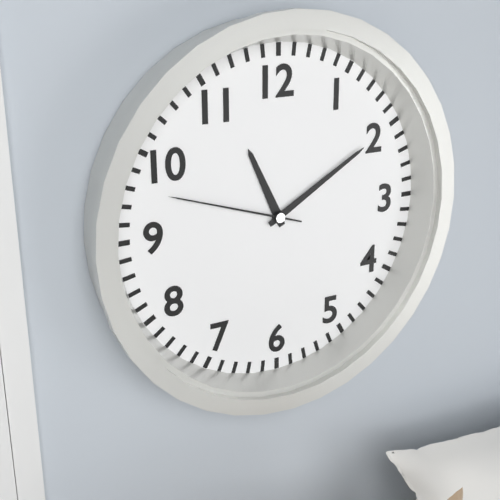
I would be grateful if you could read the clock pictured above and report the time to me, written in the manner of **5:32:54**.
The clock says **11:10:48**
